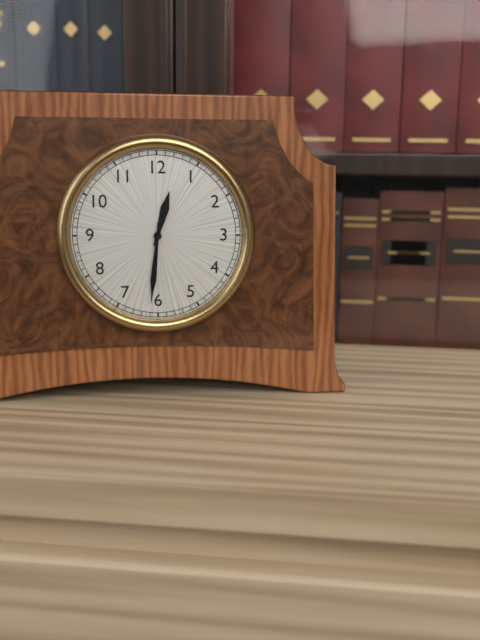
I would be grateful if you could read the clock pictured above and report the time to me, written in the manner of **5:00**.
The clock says **12:31**
